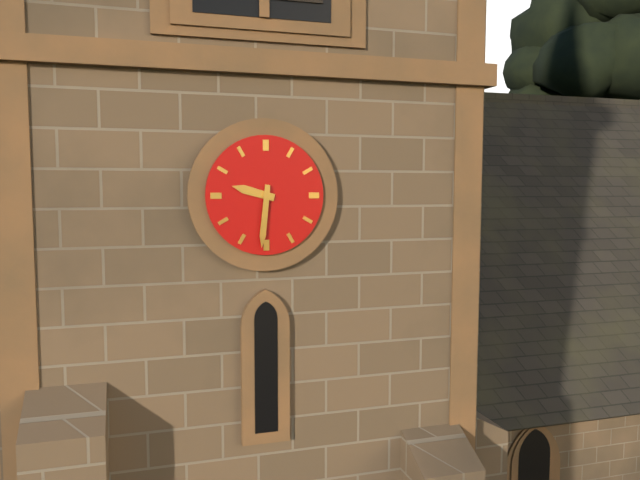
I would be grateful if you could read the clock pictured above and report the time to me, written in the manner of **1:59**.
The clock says **9:31**
